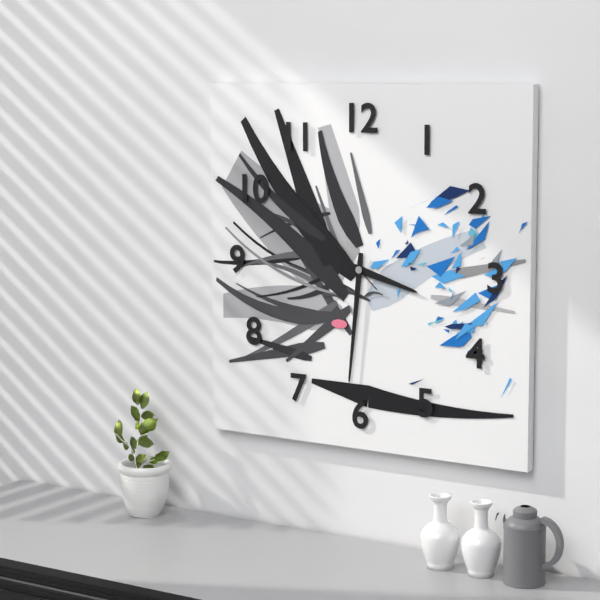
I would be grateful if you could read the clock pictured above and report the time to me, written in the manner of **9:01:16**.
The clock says **3:31:52**
